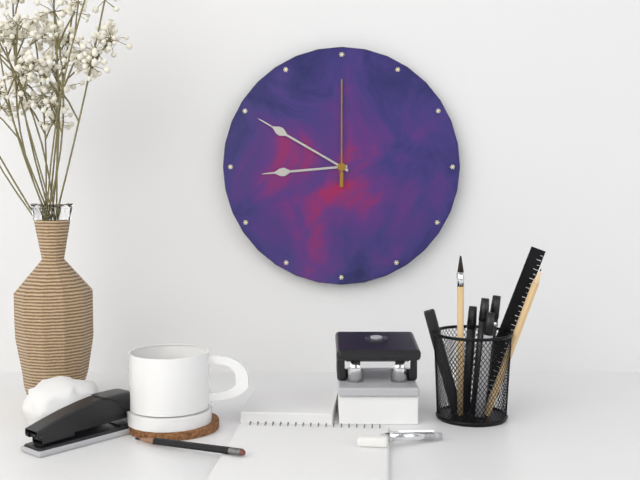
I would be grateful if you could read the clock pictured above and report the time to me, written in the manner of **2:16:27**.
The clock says **8:50:00**
